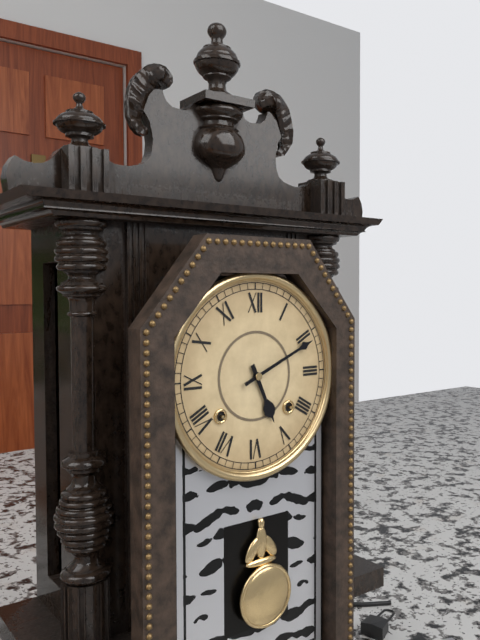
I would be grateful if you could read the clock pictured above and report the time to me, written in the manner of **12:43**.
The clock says **5:11**
